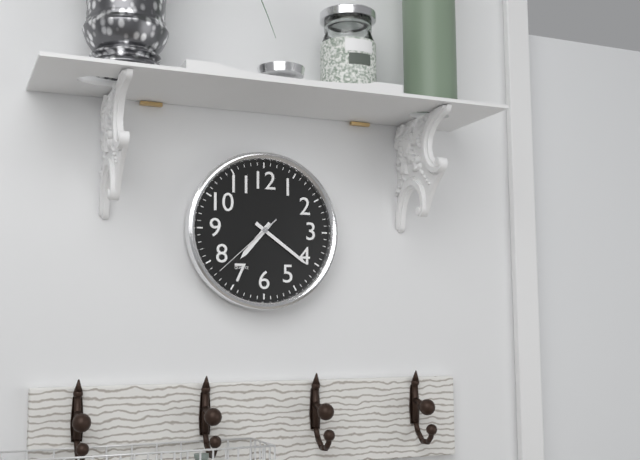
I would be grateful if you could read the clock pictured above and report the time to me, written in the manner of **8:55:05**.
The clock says **7:21:38**
